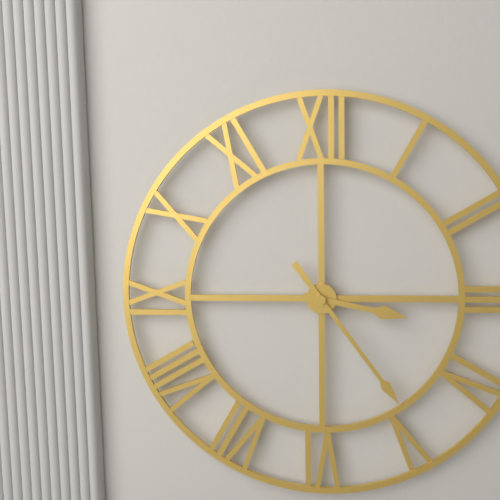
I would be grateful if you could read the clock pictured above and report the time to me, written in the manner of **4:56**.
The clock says **3:24**
